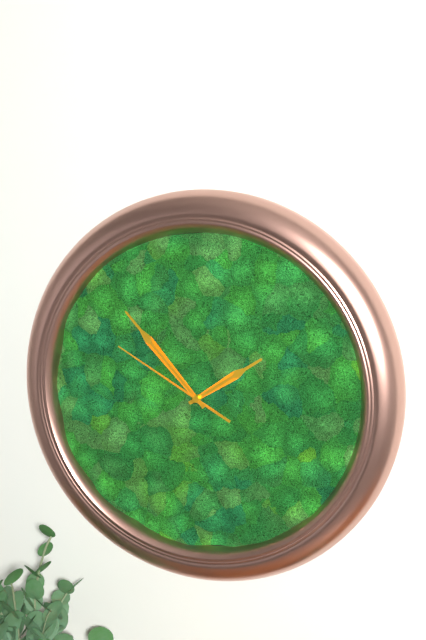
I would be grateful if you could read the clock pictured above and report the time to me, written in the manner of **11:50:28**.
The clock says **1:53:50**
